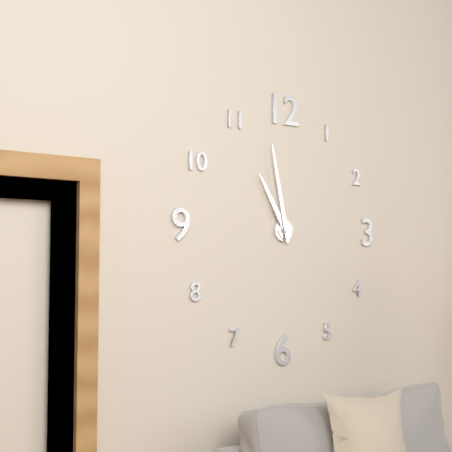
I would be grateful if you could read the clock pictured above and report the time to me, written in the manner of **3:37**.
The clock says **10:58**
